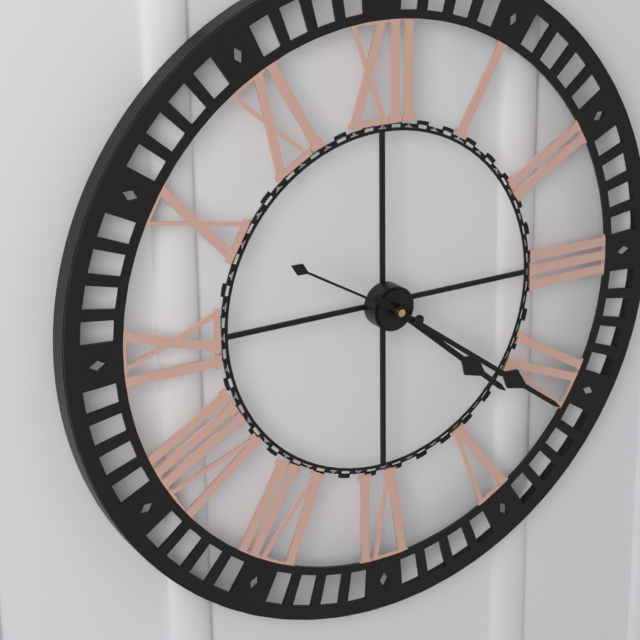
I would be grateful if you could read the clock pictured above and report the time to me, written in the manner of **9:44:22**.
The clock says **4:21:50**
